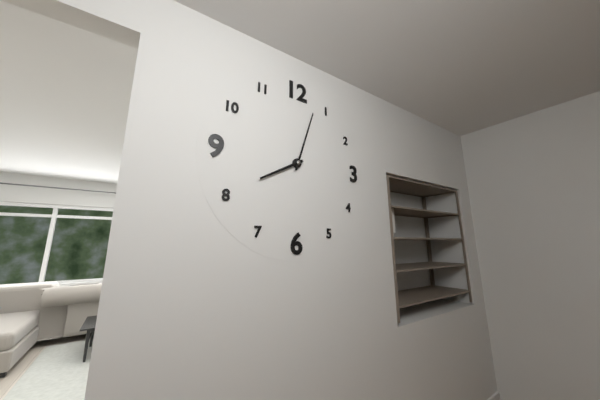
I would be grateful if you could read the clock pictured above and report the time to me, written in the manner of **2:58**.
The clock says **8:03**
